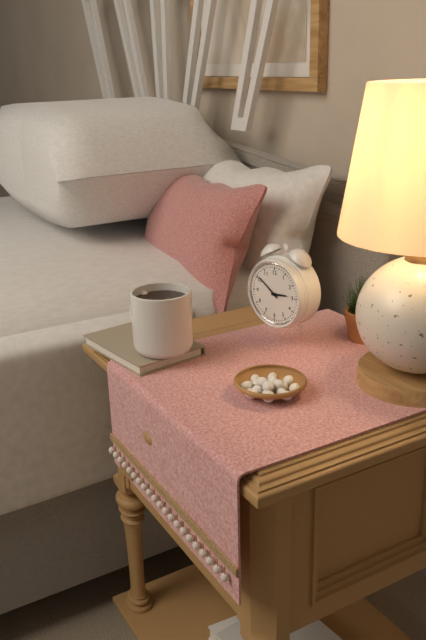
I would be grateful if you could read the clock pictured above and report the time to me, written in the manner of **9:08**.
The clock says **2:51**
